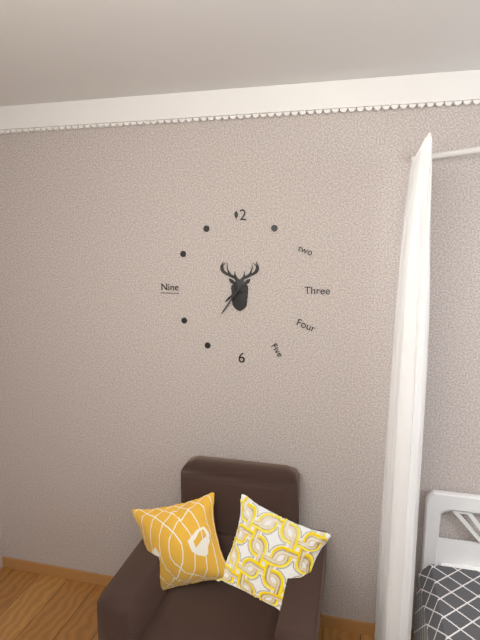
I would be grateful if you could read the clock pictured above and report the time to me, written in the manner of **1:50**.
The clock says **7:36**
